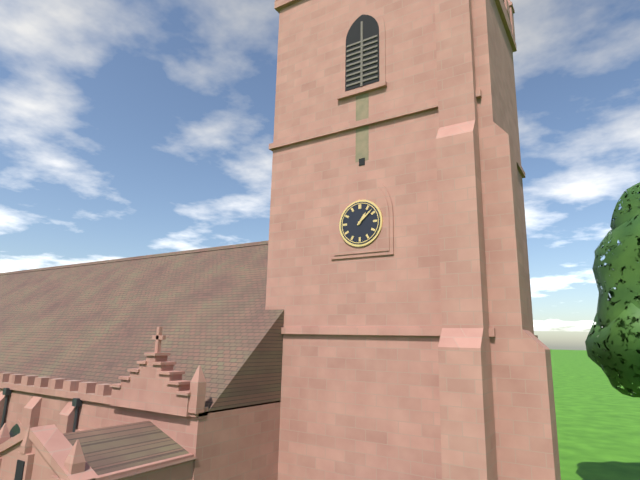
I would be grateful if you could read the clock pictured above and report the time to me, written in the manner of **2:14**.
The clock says **1:08**
